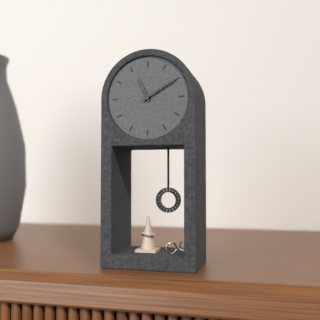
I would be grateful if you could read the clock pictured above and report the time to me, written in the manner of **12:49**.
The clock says **11:10**
